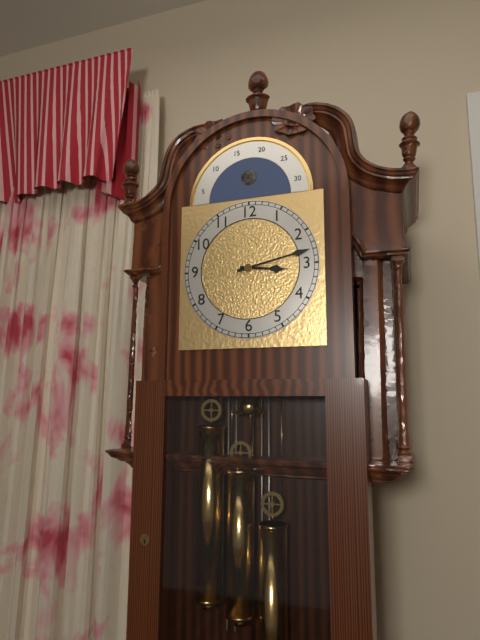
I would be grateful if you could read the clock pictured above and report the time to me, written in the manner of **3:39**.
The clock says **3:13**
